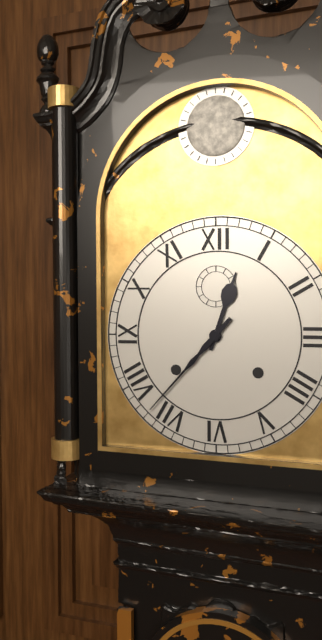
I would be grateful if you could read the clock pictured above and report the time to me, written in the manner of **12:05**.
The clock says **12:37**
